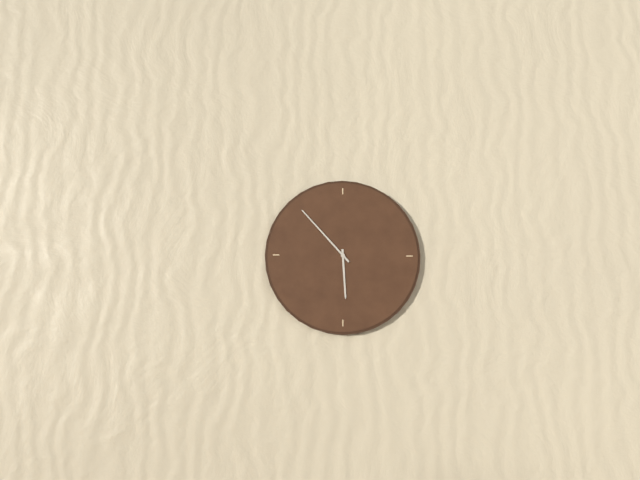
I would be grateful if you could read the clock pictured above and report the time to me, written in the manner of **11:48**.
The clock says **5:53**
